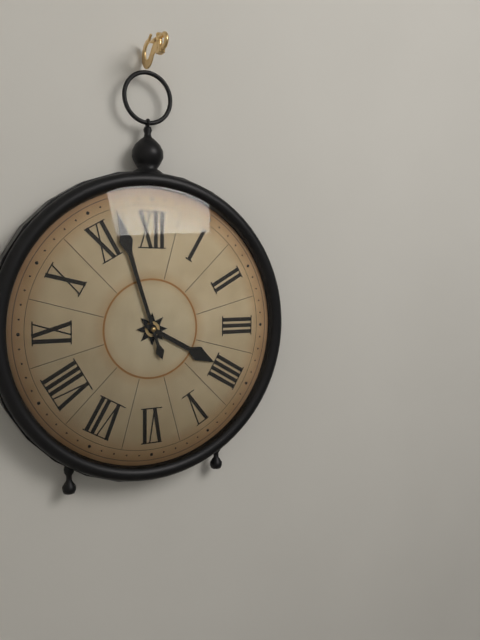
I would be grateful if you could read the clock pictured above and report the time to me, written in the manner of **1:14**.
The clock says **3:57**
